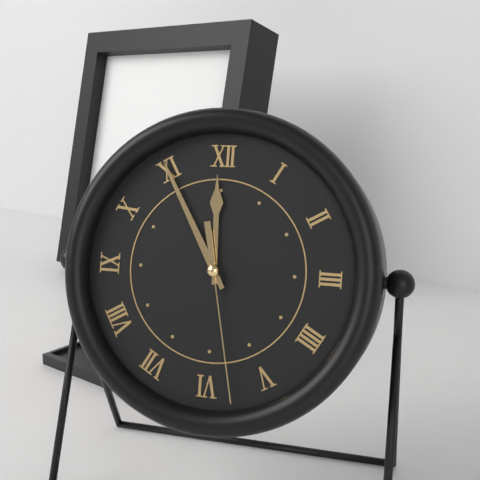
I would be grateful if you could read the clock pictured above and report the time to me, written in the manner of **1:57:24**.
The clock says **11:55:28**
